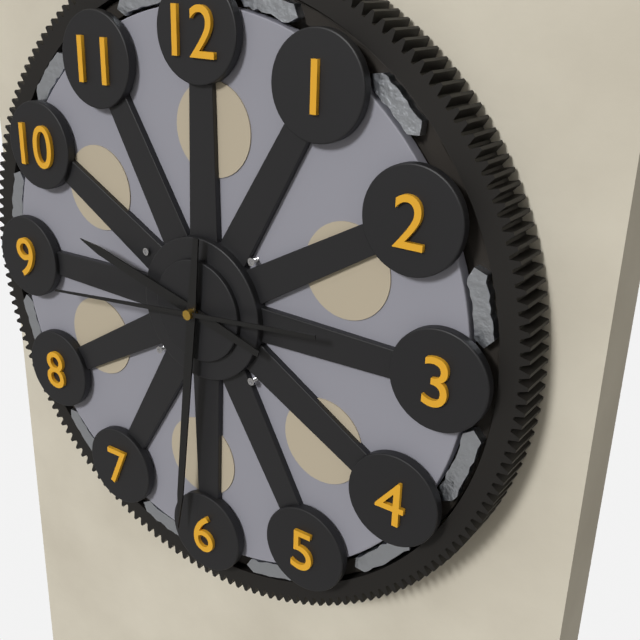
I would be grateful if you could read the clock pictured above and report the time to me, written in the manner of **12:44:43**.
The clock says **9:31:44**
